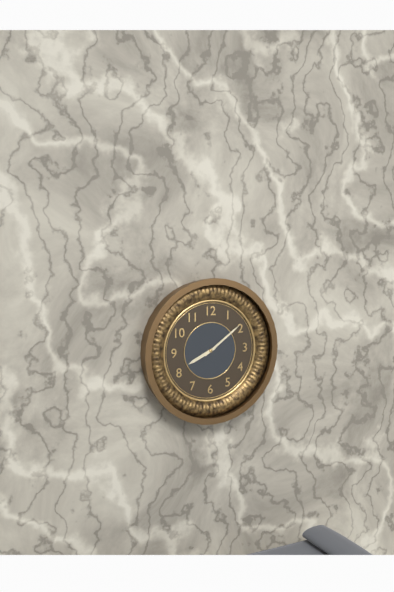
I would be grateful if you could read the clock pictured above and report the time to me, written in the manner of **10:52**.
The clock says **8:09**
